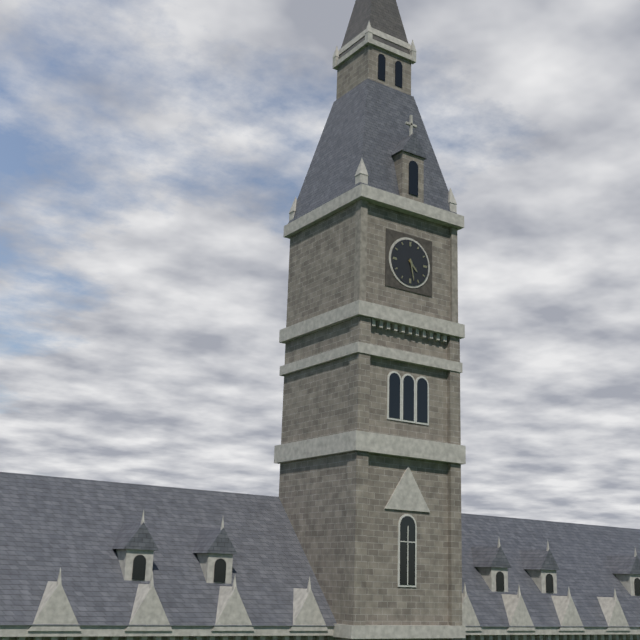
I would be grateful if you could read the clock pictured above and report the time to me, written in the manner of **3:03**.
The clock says **4:28**
